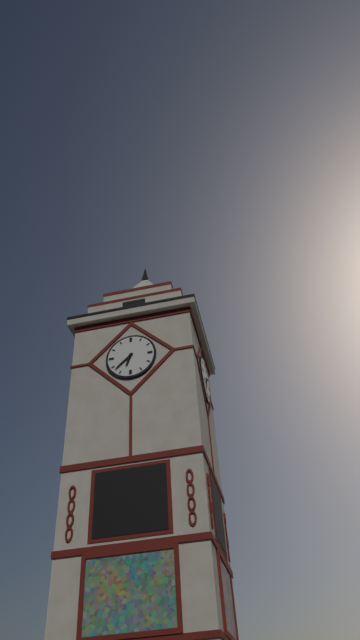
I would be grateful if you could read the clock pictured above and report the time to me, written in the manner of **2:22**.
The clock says **6:38**
